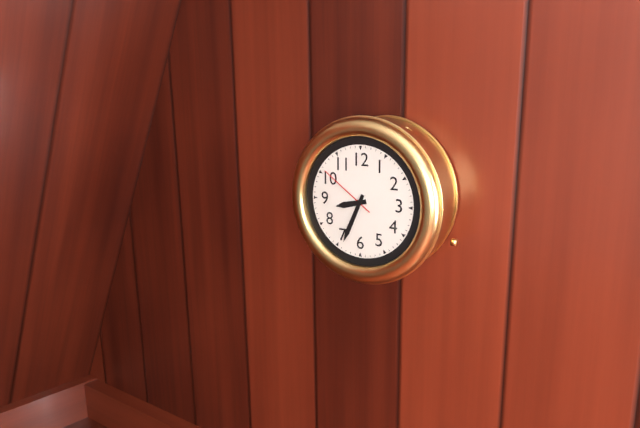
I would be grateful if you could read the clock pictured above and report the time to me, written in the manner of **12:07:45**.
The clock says **8:34:51**
